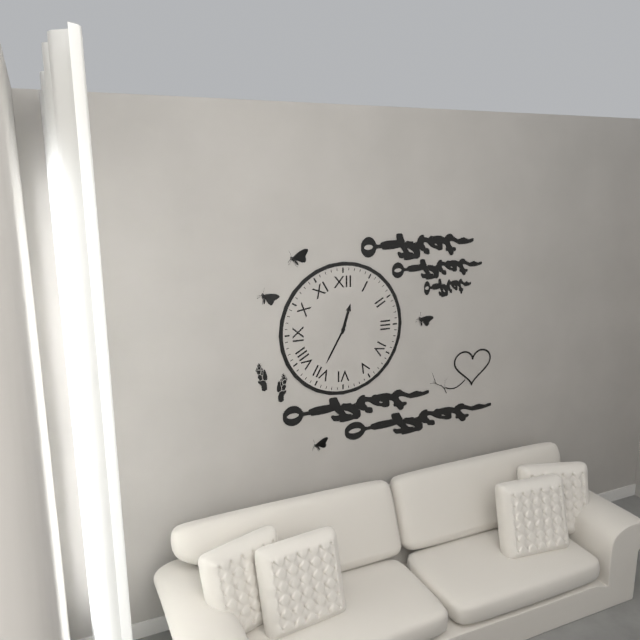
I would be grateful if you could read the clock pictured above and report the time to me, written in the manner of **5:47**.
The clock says **12:35**
